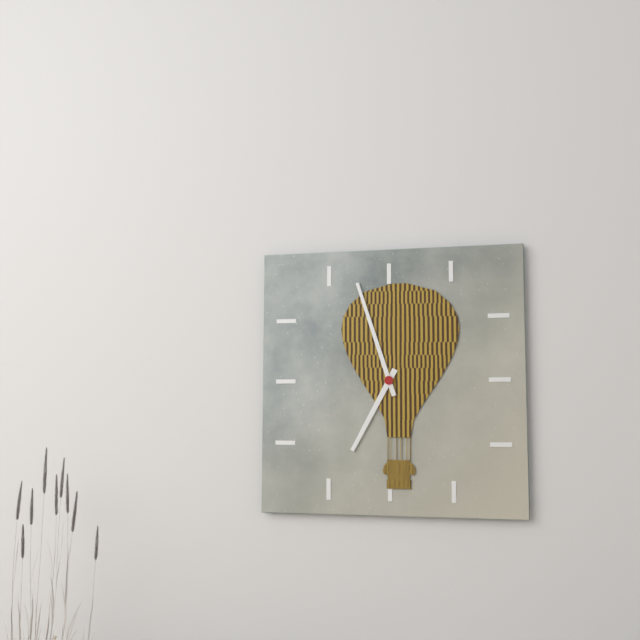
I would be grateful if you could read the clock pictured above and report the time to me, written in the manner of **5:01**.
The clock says **6:57**
